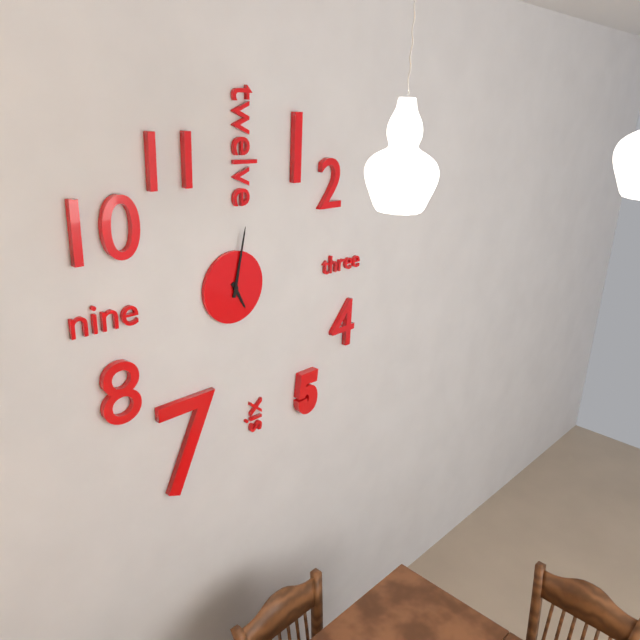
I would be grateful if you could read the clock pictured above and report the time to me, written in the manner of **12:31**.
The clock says **5:02**
